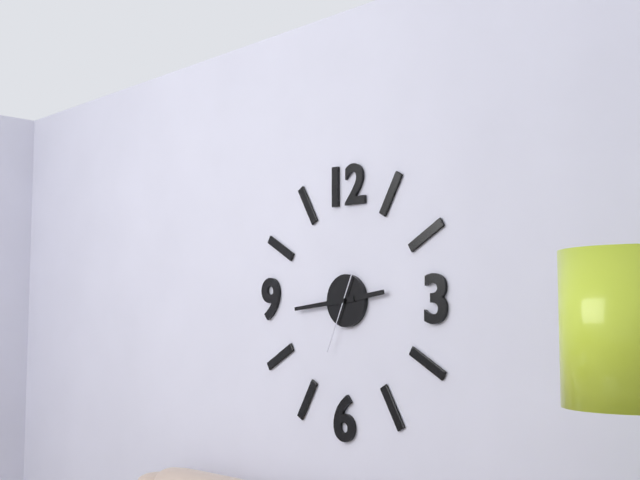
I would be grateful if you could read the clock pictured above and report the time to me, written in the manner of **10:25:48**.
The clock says **2:44:34**
